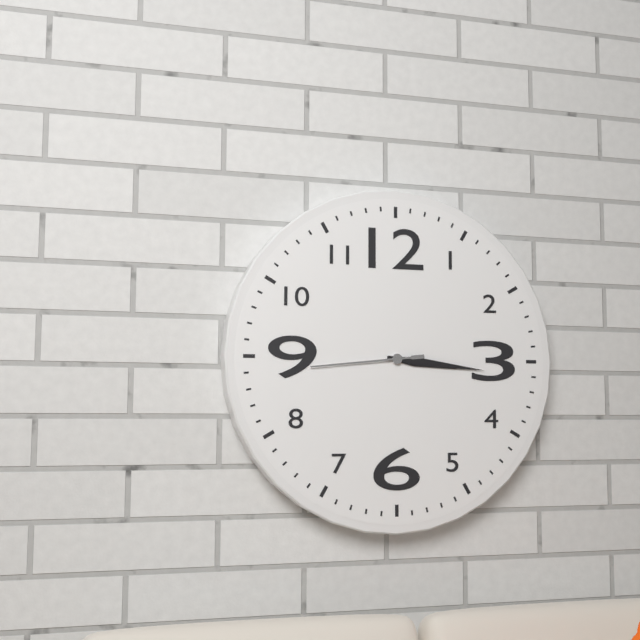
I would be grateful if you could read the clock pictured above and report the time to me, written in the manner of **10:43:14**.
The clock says **3:16:44**
